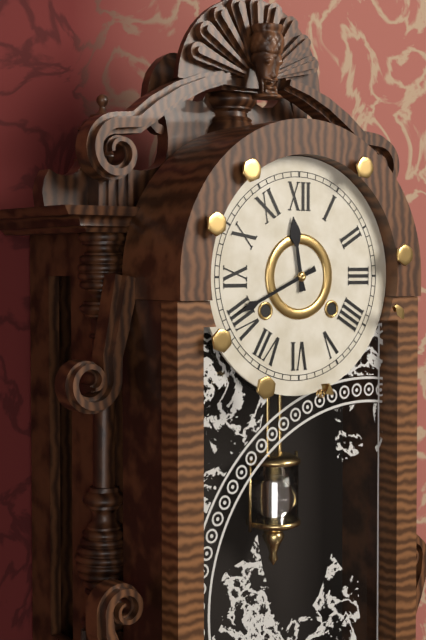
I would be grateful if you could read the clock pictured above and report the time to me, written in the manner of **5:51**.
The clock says **11:41**
